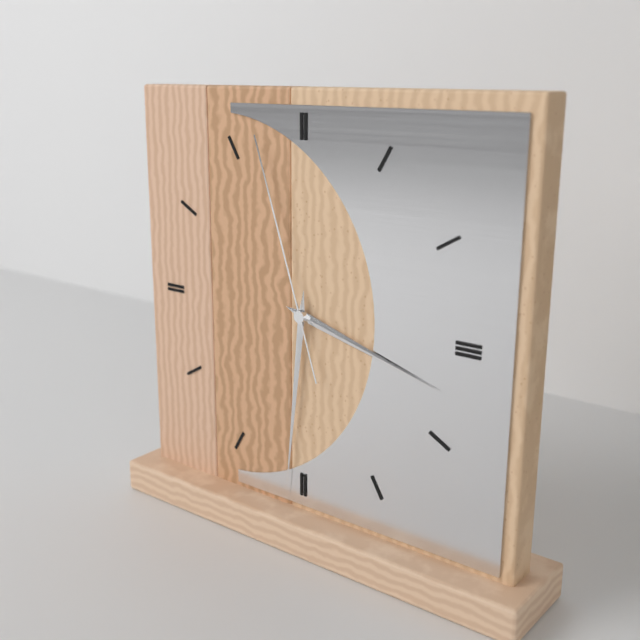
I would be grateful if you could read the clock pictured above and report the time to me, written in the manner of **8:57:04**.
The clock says **3:31:57**
